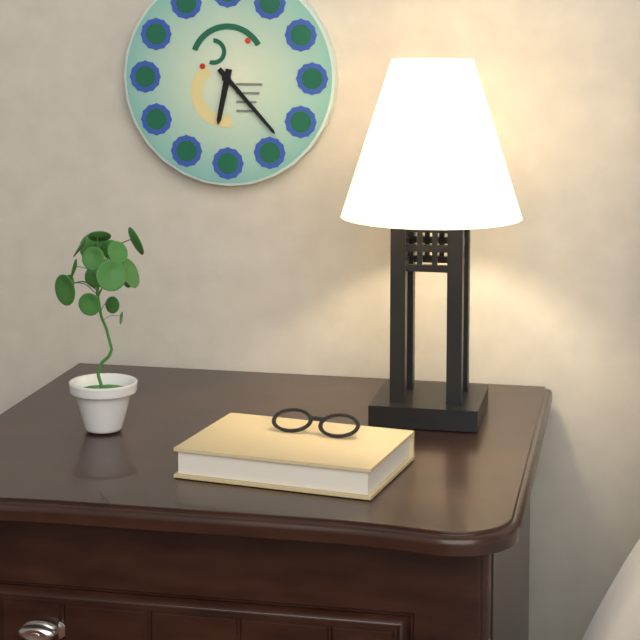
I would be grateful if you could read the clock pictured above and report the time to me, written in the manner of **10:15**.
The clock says **6:23**
